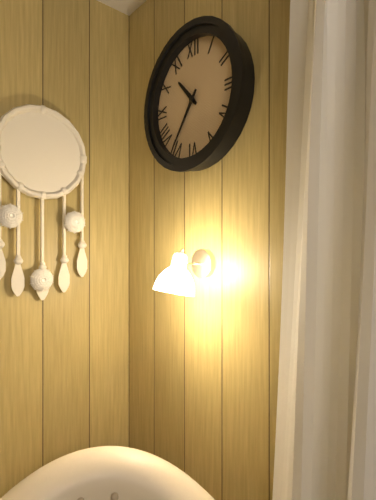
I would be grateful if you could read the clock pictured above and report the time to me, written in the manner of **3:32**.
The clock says **10:36**
